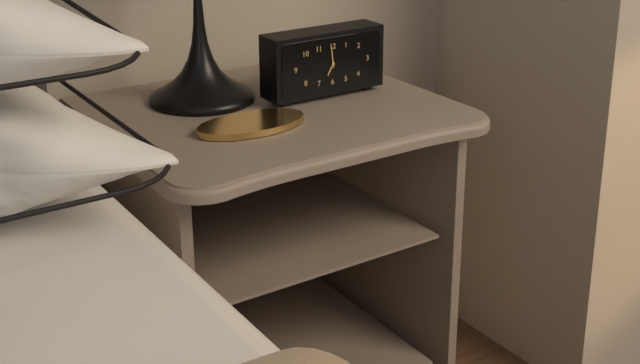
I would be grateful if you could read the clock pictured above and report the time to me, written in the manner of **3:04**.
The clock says **6:59**
